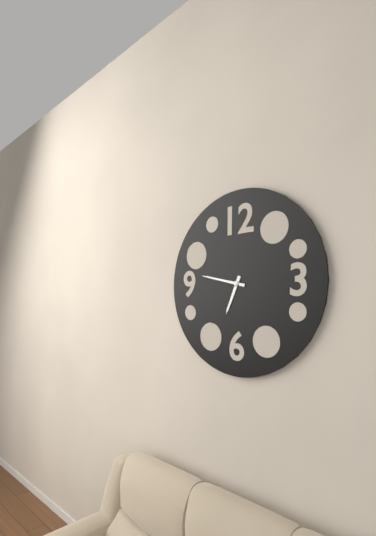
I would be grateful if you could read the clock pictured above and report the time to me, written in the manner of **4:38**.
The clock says **6:47**
